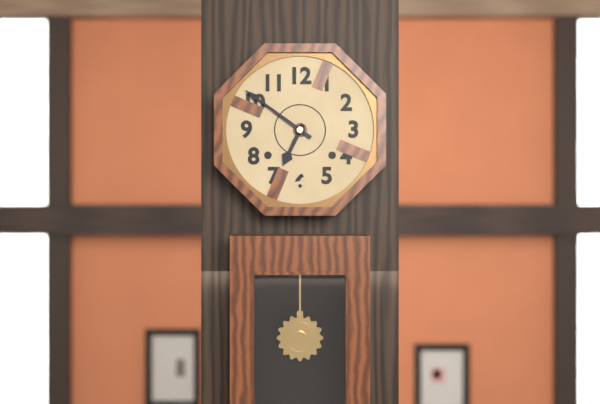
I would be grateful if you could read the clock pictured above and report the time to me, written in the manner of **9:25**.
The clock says **6:51**
